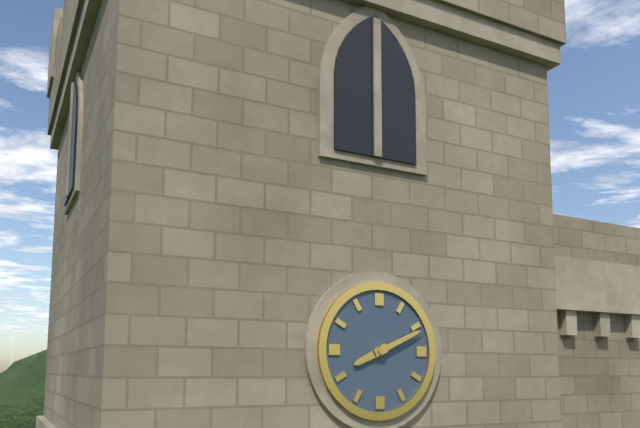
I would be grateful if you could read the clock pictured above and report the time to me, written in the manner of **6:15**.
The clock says **8:11**
